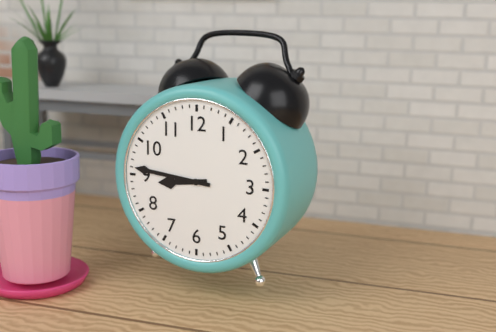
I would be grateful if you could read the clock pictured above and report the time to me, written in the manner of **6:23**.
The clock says **8:46**
